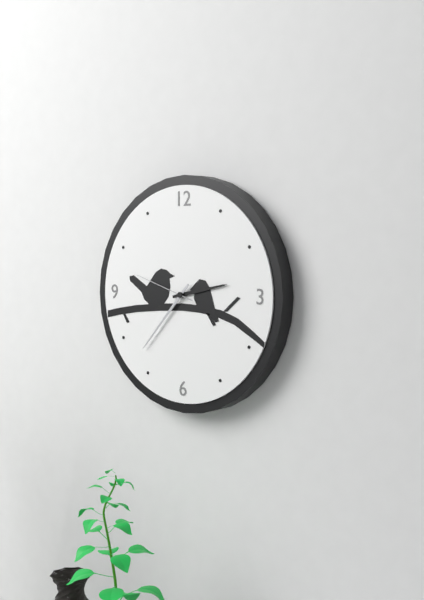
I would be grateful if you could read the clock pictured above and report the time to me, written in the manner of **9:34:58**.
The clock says **2:37:48**
